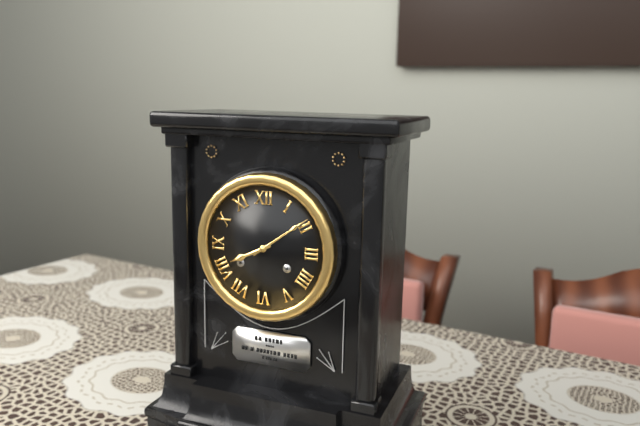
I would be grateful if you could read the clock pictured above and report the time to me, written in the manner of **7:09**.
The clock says **8:09**
